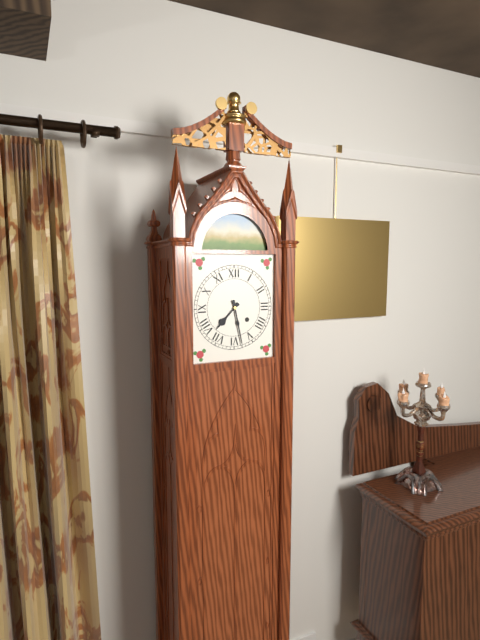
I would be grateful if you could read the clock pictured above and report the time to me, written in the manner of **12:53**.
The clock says **7:28**
